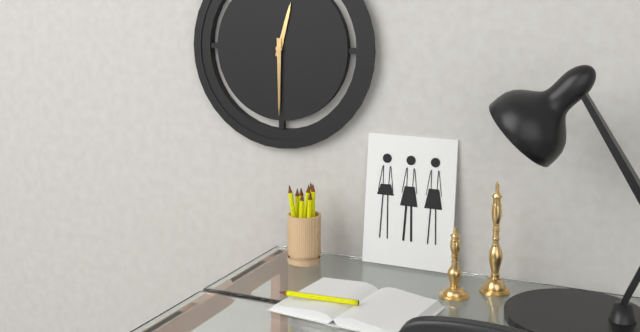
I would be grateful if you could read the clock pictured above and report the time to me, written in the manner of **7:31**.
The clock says **12:30**
